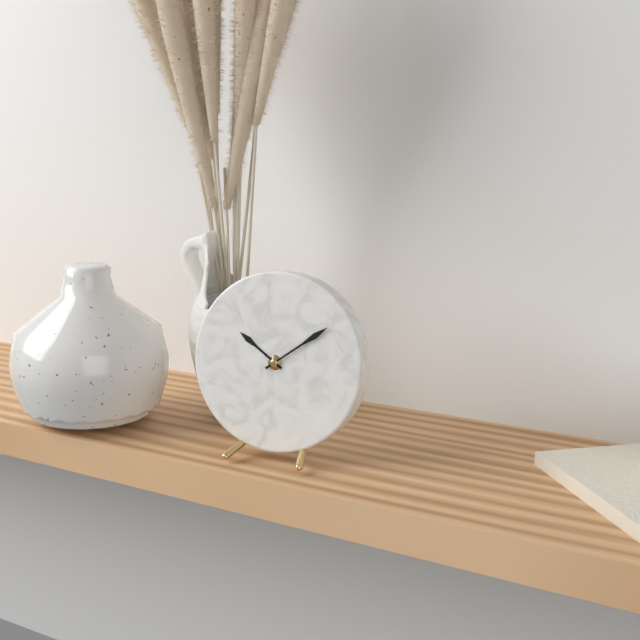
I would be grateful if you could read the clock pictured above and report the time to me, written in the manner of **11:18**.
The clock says **10:09**
